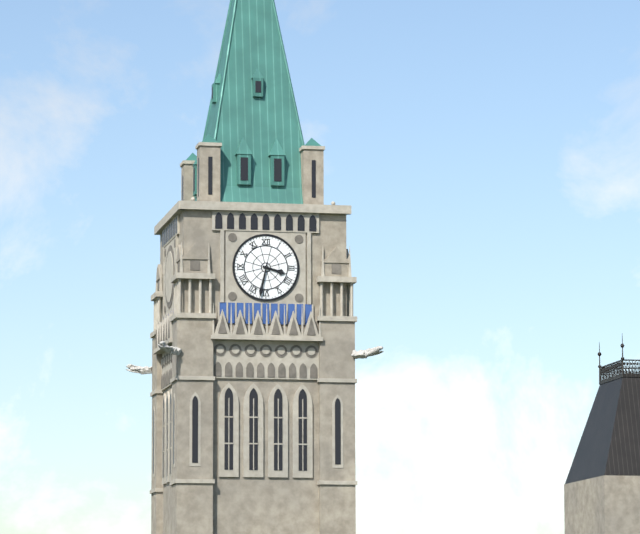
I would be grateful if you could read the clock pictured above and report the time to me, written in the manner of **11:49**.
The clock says **3:32**
